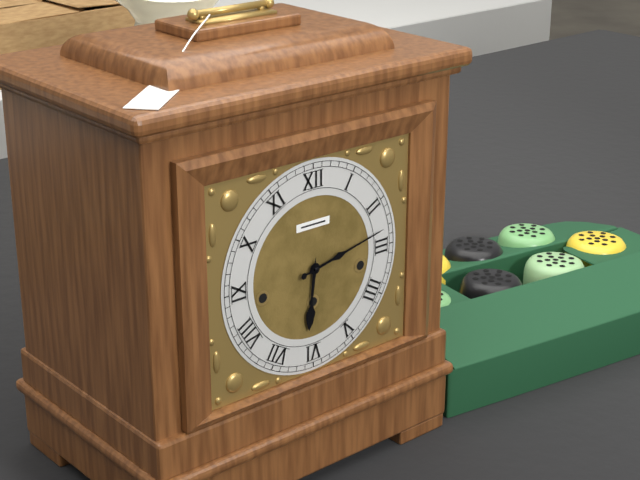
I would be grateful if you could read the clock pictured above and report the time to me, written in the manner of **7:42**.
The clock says **6:13**
